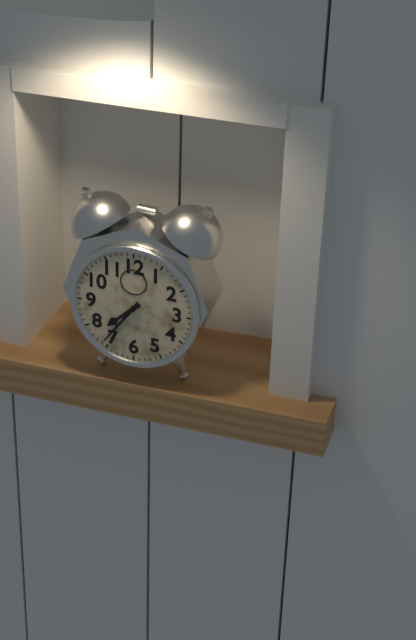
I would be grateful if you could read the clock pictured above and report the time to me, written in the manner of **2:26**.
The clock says **7:36**
